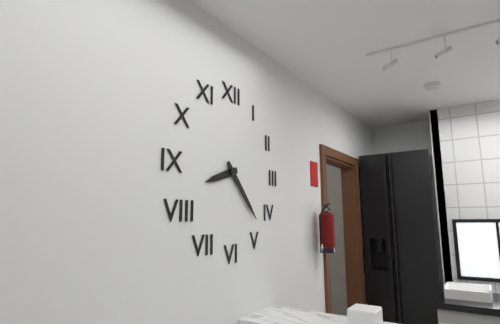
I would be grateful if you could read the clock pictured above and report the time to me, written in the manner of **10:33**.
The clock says **8:23**
